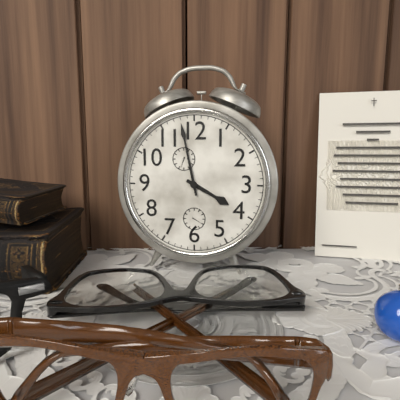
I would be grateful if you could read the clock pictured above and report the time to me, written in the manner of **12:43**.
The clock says **3:58**
